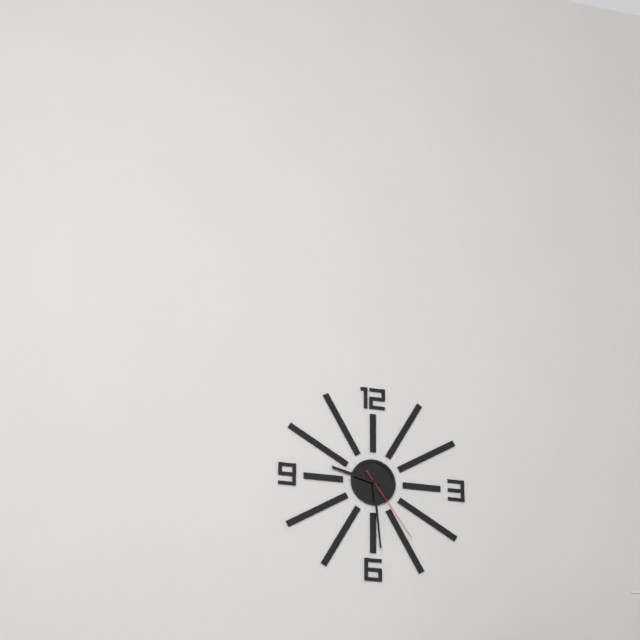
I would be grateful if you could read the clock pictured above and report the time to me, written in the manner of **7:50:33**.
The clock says **9:29:24**
